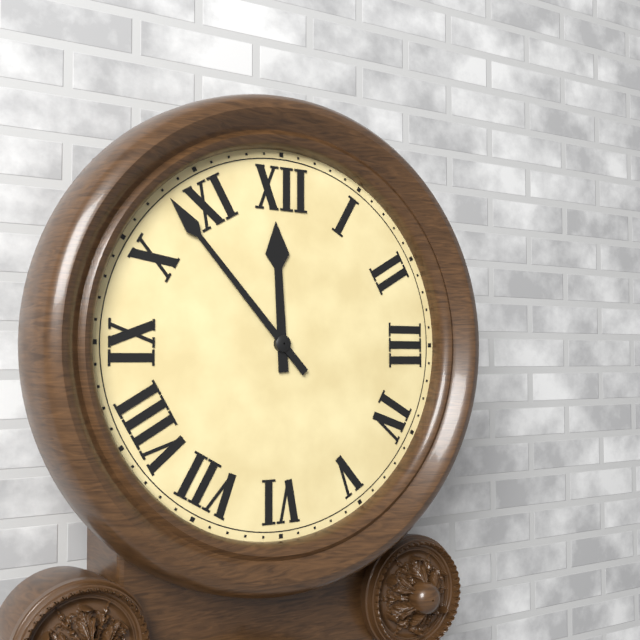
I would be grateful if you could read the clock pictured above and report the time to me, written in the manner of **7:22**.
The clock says **11:53**
